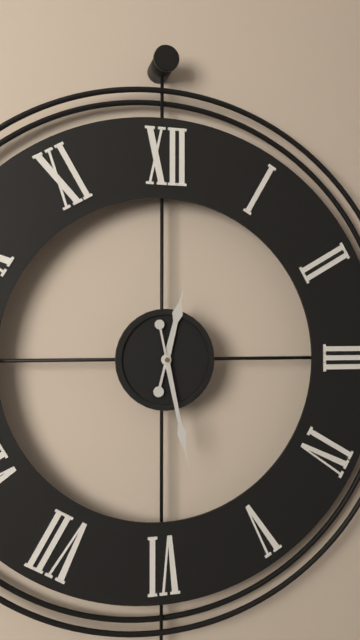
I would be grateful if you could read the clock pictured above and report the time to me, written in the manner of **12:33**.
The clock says **12:28**
